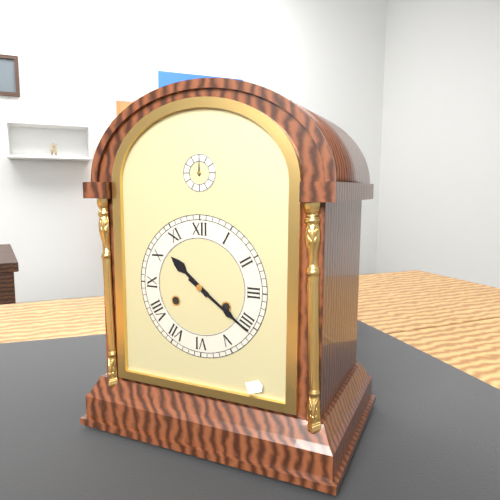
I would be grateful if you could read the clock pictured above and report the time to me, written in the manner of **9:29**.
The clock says **10:21**
